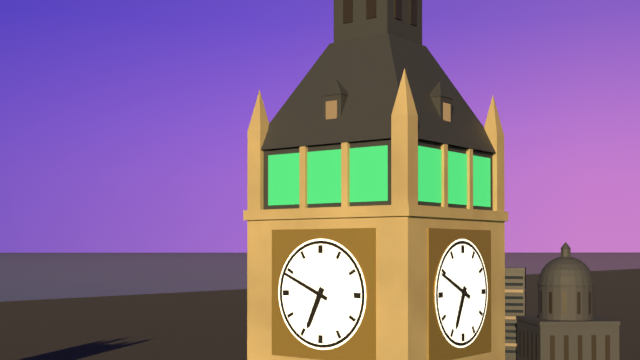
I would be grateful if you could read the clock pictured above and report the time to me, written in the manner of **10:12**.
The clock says **6:49**
